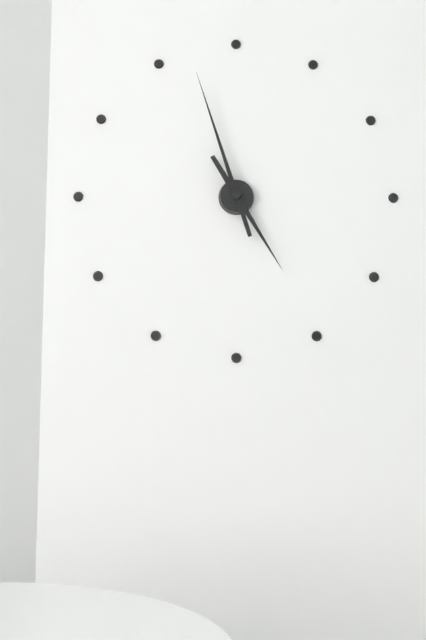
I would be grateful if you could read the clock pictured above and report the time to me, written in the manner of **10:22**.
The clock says **4:57**
